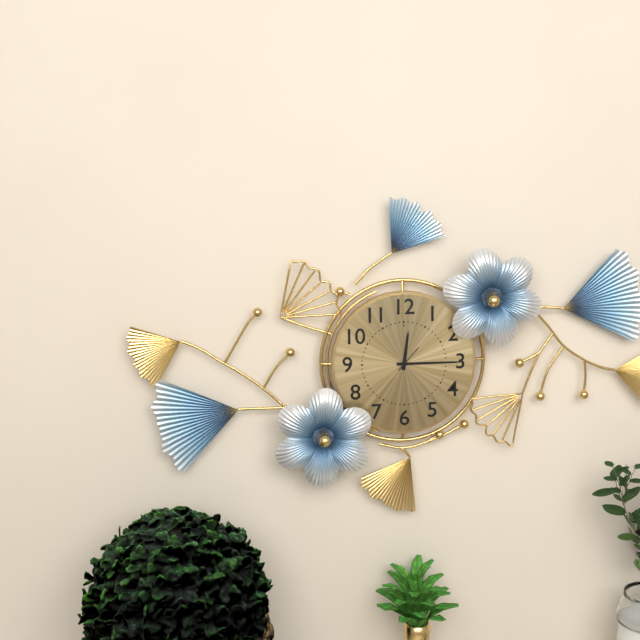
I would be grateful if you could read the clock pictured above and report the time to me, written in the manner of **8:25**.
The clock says **12:15**
